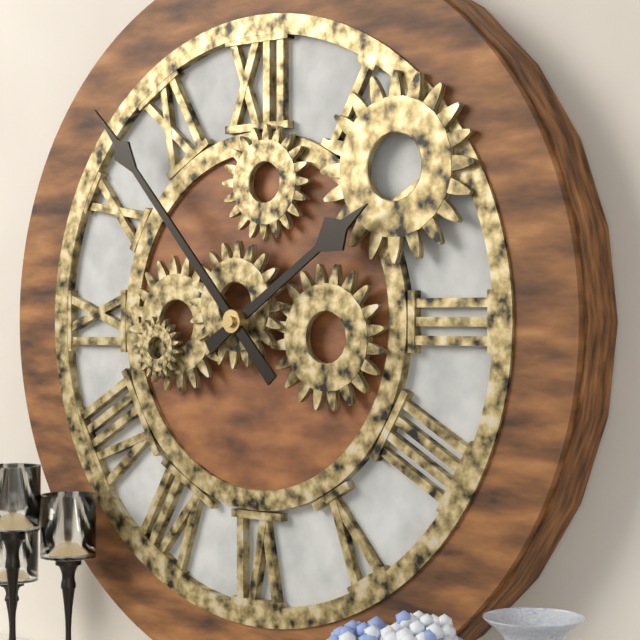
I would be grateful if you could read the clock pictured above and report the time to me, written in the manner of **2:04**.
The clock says **1:53**
